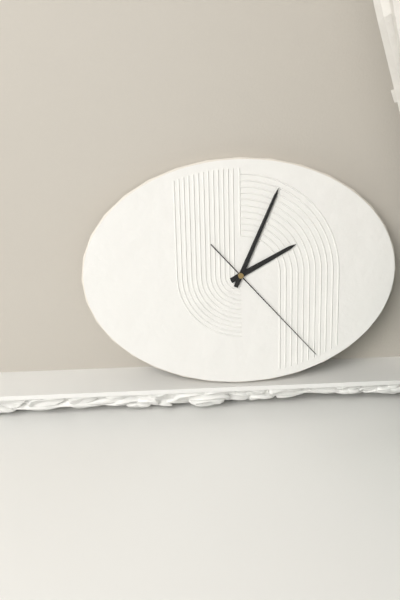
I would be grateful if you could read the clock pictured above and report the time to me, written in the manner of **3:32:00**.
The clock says **2:04:23**
